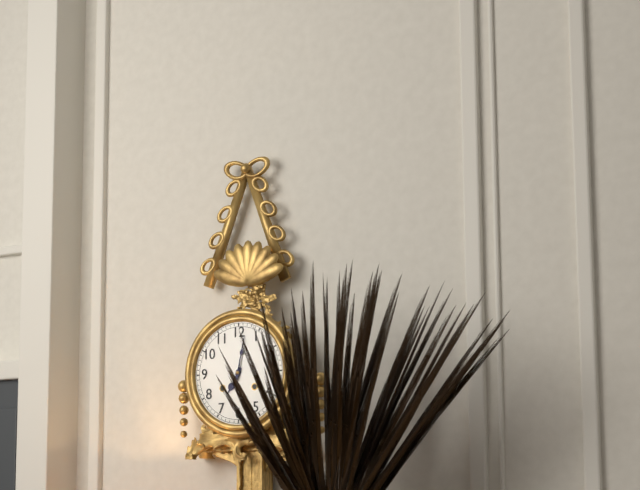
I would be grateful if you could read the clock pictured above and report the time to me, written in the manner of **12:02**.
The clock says **7:02**
